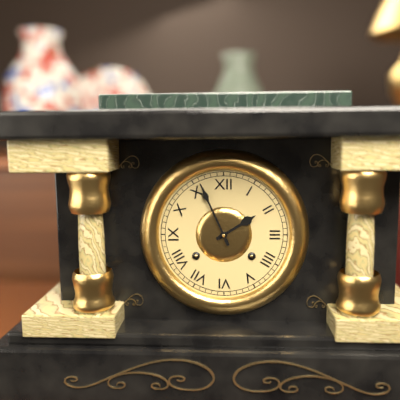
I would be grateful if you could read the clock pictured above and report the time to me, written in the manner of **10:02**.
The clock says **1:56**
